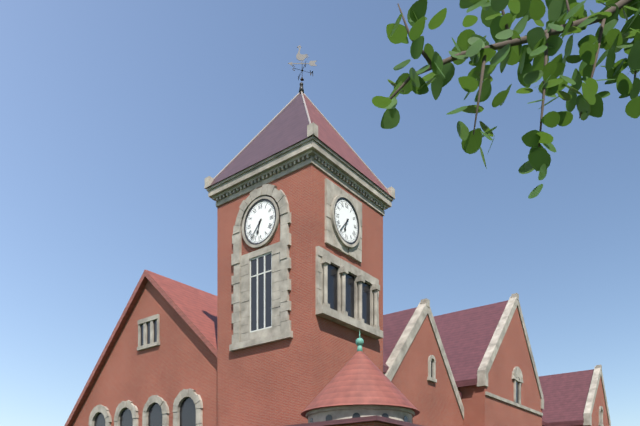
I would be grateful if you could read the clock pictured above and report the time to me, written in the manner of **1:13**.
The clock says **6:37**
